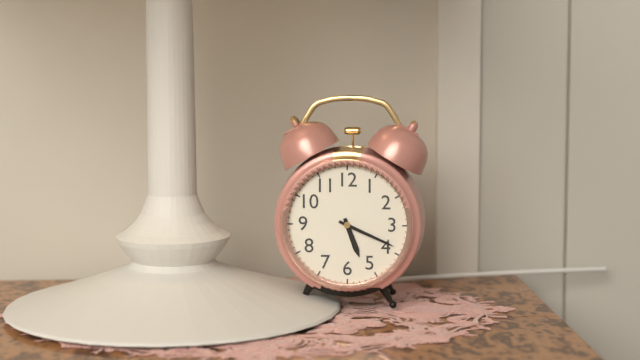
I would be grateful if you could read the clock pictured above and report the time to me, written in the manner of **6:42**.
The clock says **5:19**
